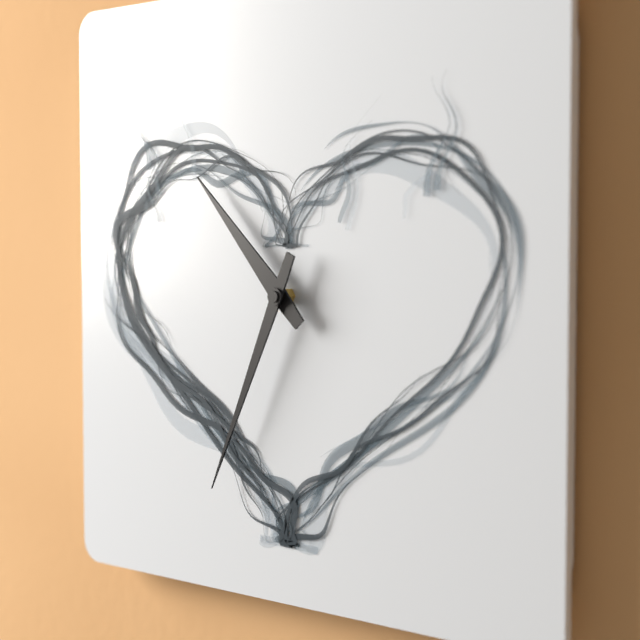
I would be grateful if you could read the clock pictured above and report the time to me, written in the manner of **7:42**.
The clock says **10:34**
